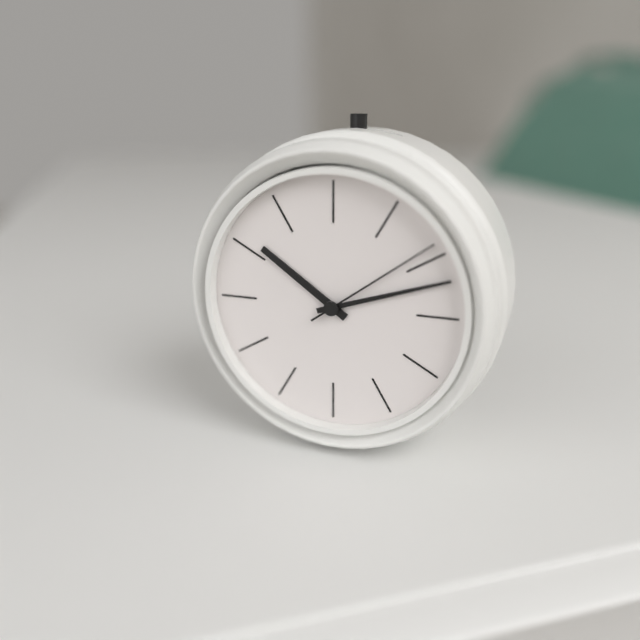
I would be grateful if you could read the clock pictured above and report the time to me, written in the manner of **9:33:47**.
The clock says **10:12:09**
